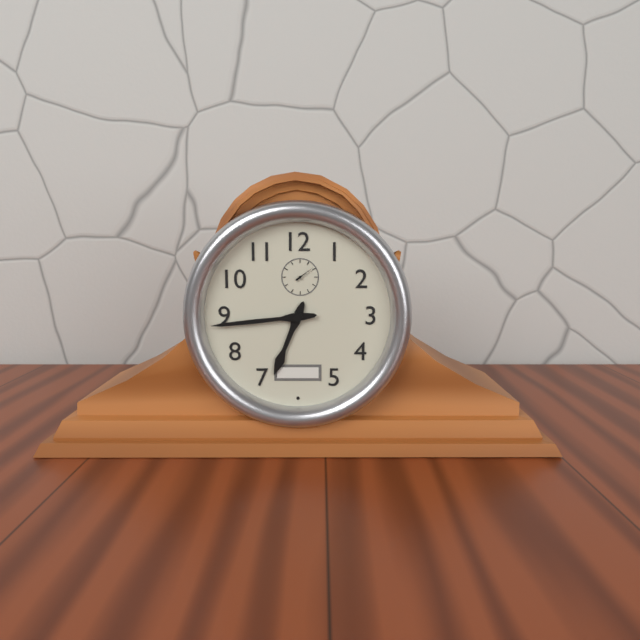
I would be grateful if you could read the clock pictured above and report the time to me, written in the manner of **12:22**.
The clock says **6:44**
